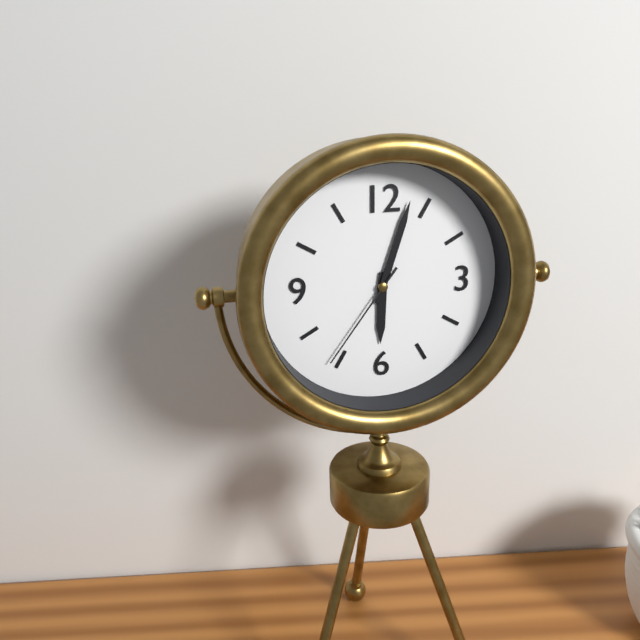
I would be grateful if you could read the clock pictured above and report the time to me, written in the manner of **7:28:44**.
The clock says **6:03:36**
